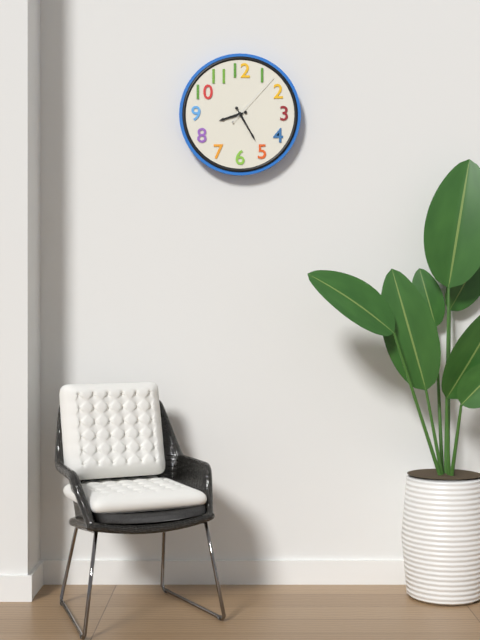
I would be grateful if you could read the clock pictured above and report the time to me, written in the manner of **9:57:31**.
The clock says **8:25:07**
